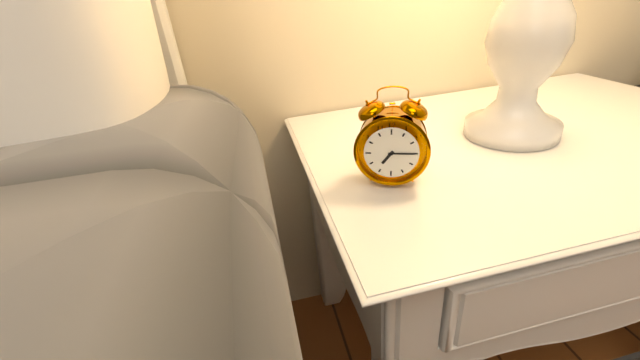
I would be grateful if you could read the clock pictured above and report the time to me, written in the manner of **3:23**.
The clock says **7:15**
